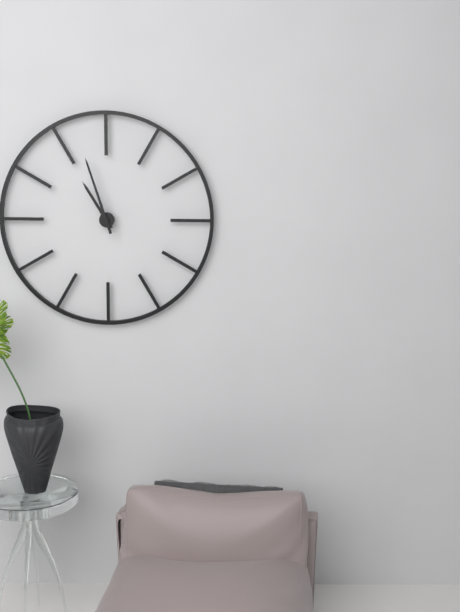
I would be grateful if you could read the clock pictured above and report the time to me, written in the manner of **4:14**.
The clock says **10:57**
